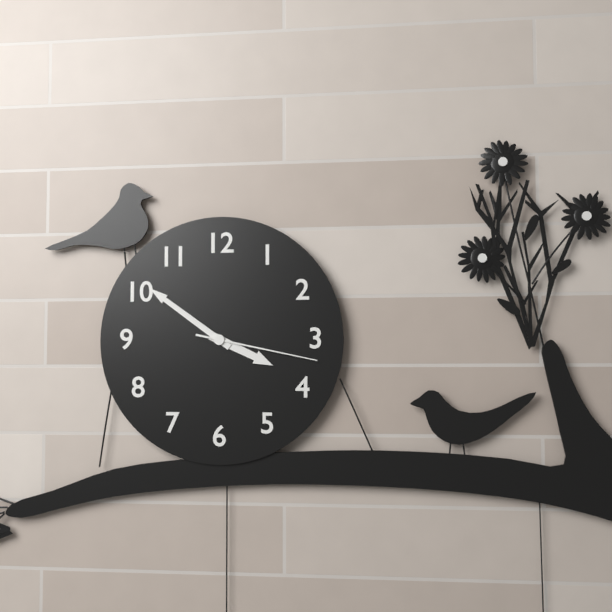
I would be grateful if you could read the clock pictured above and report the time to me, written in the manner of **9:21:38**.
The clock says **3:51:17**
